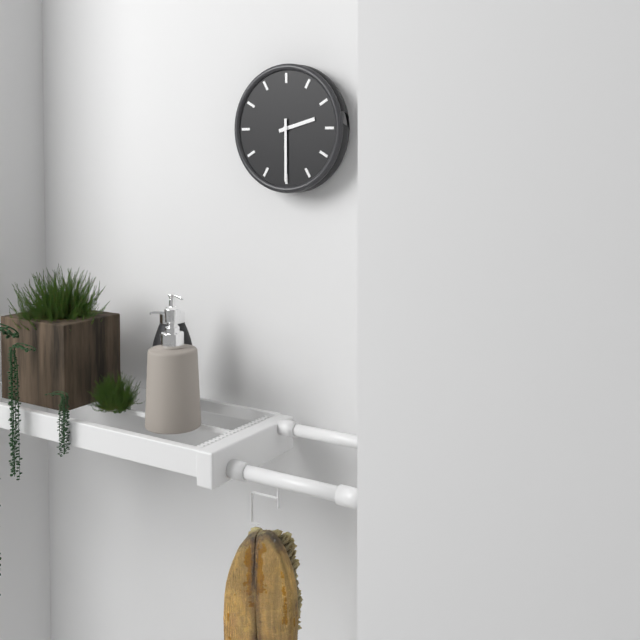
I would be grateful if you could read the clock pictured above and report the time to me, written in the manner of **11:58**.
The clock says **2:30**
